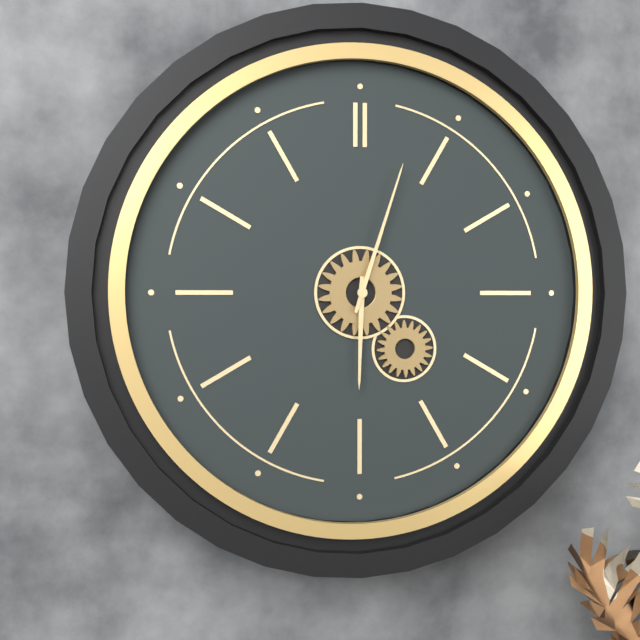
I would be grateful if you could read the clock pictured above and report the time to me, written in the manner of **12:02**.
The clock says **6:03**
